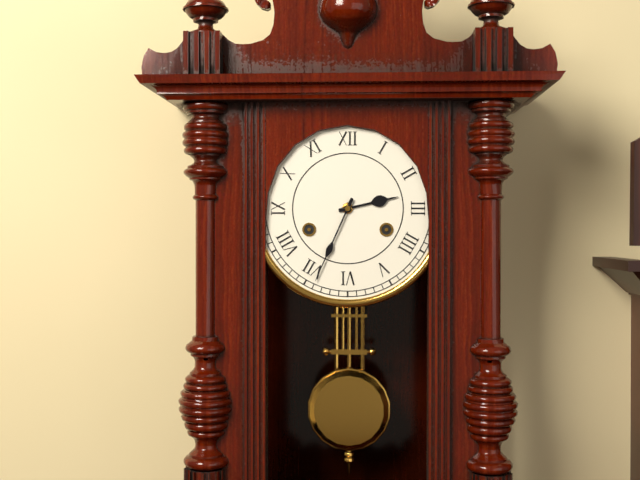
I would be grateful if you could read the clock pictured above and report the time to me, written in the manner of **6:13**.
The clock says **2:34**
